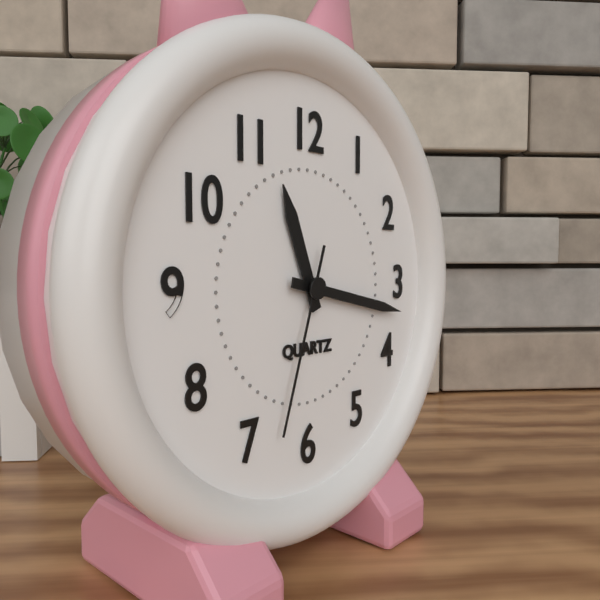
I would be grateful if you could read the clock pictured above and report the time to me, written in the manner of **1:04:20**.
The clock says **11:17:33**
